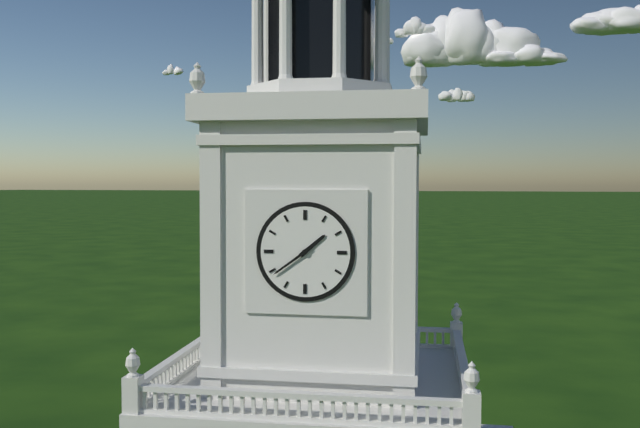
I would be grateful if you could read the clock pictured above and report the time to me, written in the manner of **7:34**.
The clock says **1:39**
